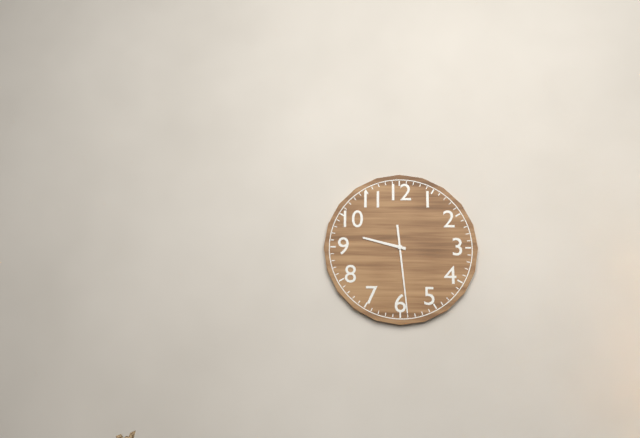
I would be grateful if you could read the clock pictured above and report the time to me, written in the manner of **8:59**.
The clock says **9:29**
